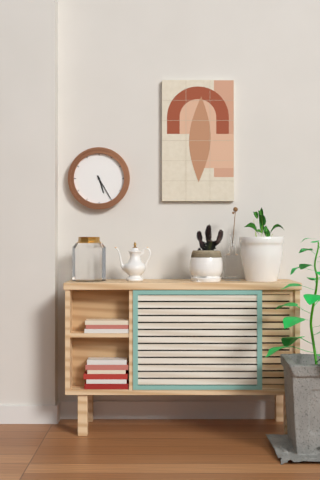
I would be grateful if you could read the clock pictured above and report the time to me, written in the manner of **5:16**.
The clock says **5:25**
